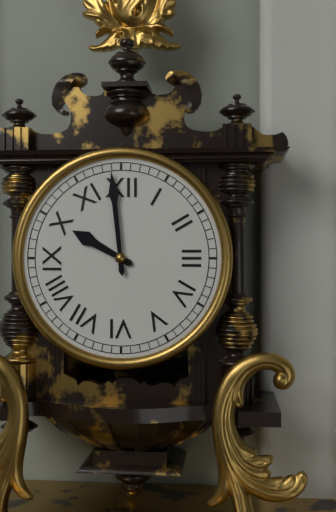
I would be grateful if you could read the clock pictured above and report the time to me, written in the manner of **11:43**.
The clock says **9:59**
